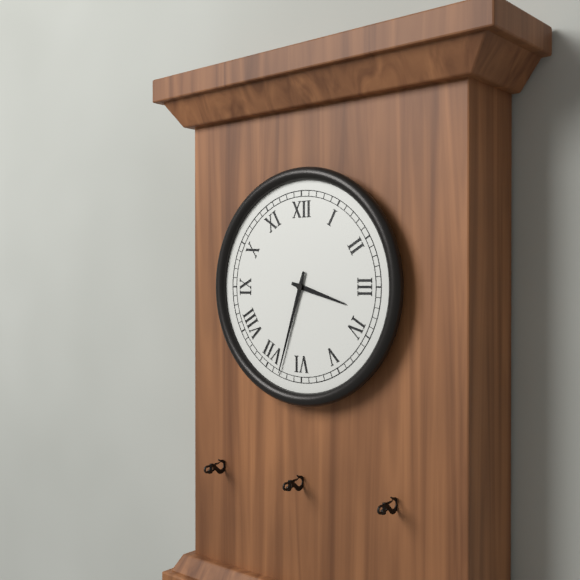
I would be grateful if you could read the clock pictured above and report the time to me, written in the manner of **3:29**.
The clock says **3:33**
